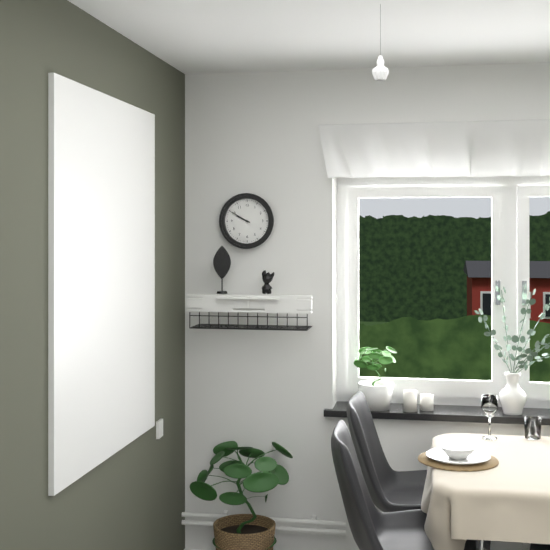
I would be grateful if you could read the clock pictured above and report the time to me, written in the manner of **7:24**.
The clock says **9:50**
